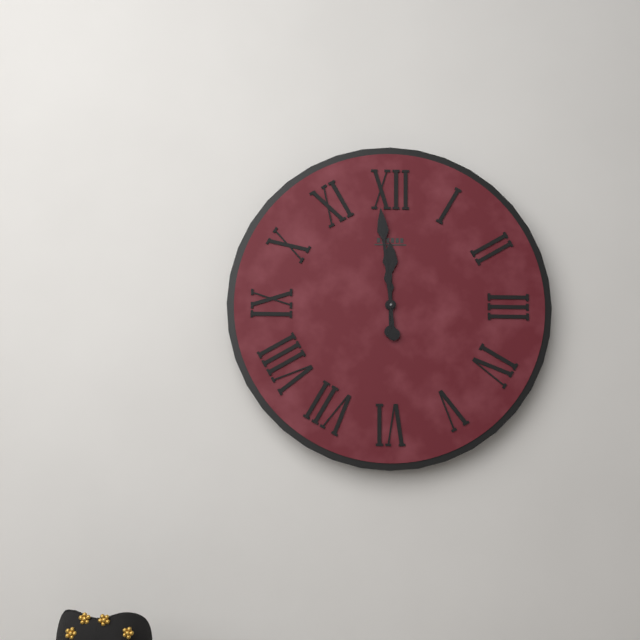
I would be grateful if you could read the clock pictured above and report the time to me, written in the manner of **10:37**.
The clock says **11:59**
